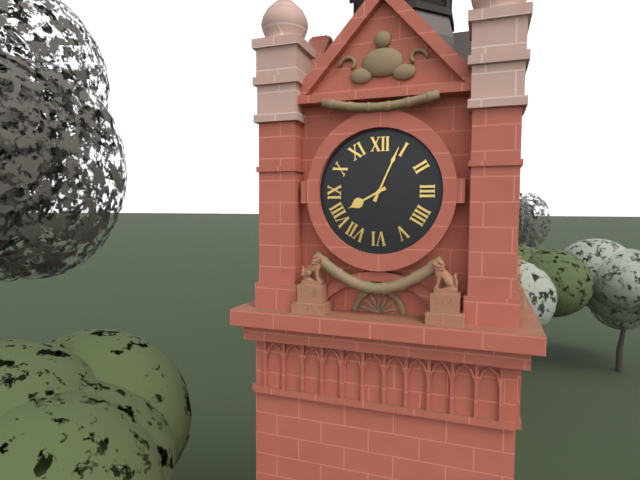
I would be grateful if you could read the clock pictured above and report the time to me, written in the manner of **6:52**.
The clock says **8:04**
